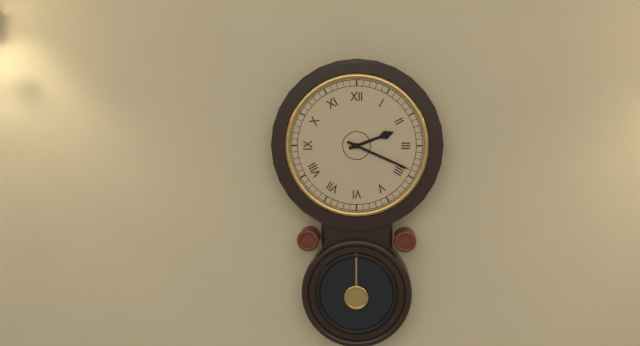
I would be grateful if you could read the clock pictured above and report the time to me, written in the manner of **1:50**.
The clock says **2:19**
